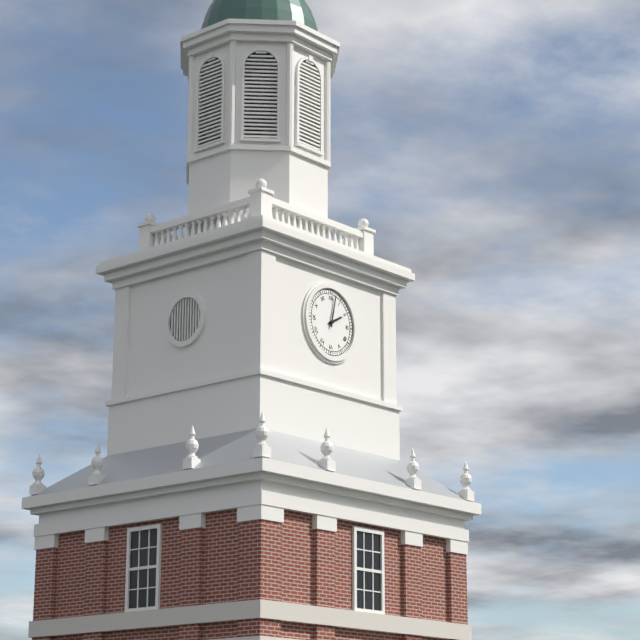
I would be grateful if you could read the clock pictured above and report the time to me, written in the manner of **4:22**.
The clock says **2:02**
